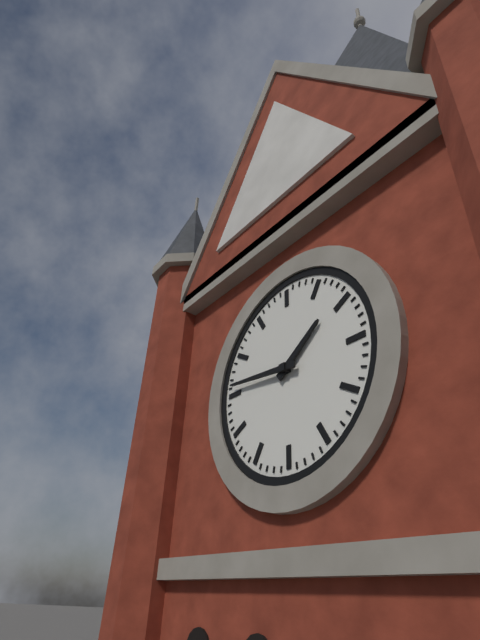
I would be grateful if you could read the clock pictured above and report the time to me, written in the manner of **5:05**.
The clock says **1:46**
